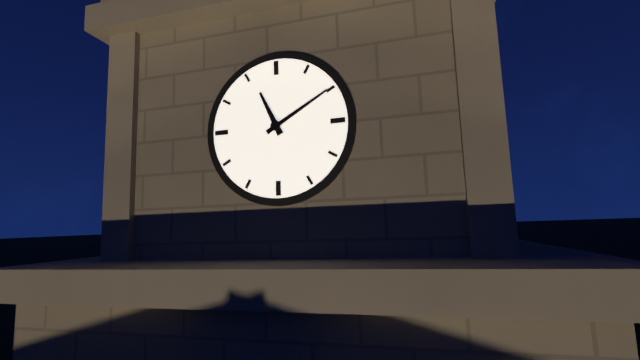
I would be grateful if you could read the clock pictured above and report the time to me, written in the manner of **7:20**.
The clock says **11:10**
